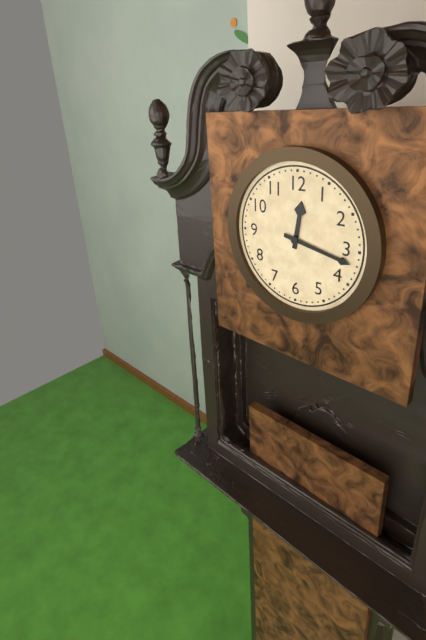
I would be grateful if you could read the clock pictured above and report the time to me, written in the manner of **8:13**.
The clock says **12:17**
